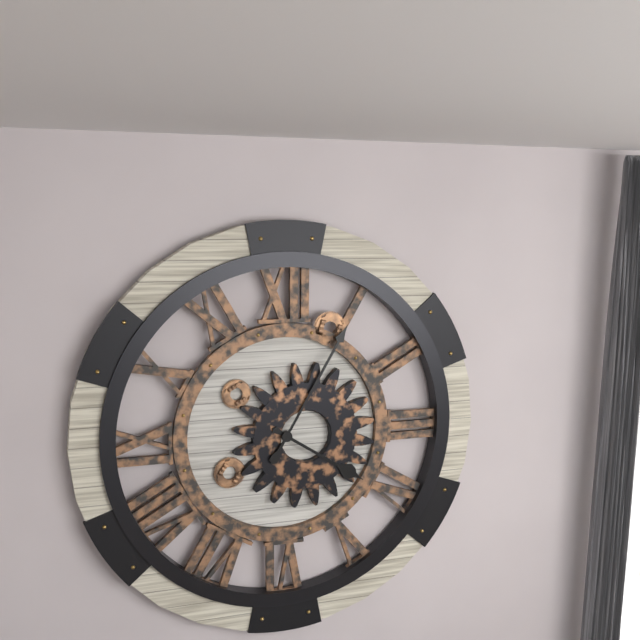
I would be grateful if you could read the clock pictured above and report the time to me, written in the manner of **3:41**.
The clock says **4:05**
